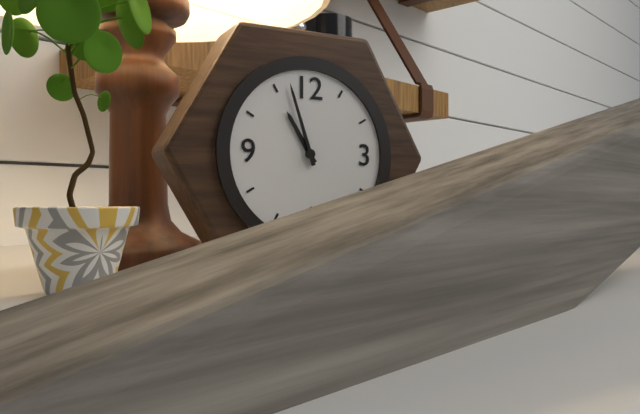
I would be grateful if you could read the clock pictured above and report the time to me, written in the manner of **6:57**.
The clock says **10:57**
